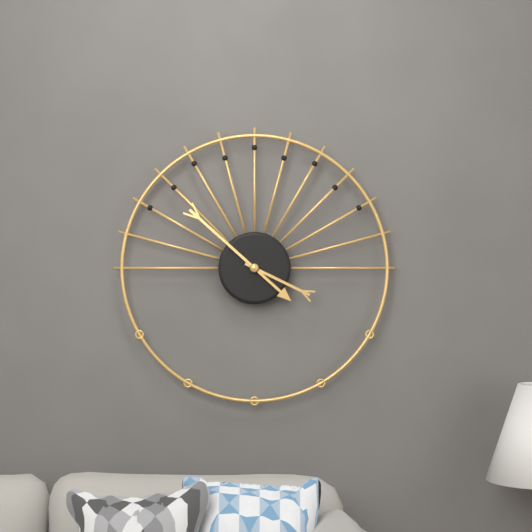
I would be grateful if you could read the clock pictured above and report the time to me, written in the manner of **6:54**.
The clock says **3:52**
